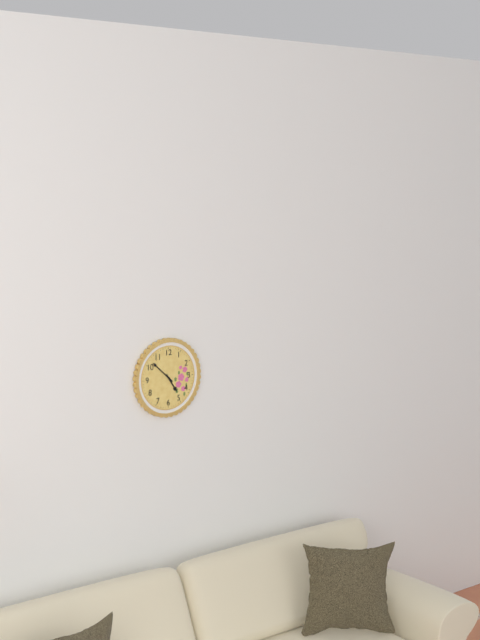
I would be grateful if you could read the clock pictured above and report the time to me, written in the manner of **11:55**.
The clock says **4:52**
